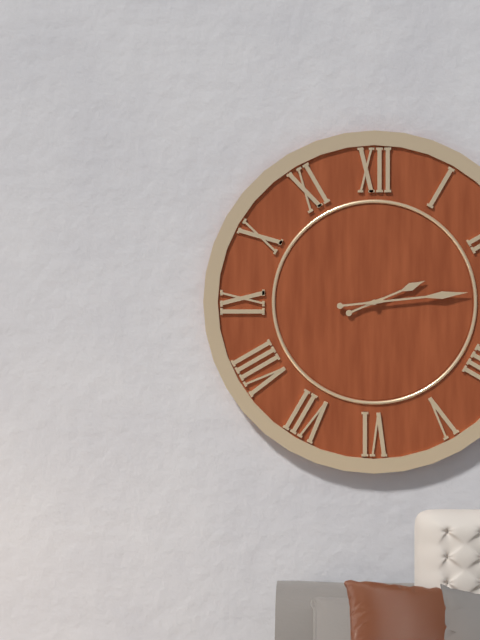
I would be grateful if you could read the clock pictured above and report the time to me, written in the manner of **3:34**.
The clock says **2:14**
